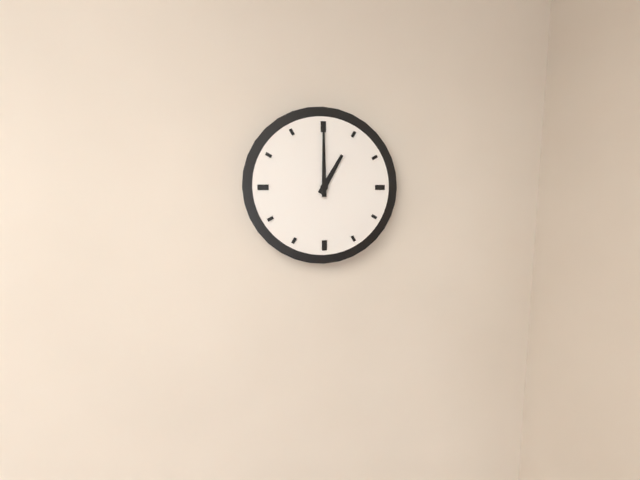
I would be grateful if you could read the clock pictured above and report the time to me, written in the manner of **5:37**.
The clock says **1:00**
